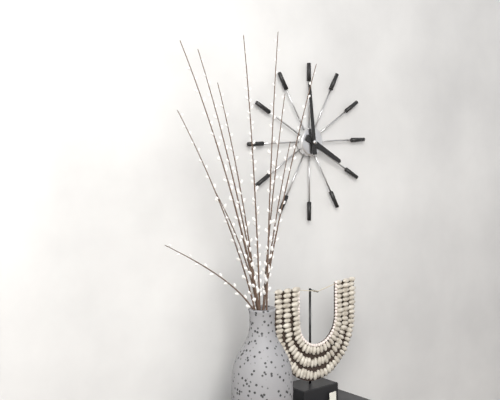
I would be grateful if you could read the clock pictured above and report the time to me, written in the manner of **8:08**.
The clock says **3:59**
